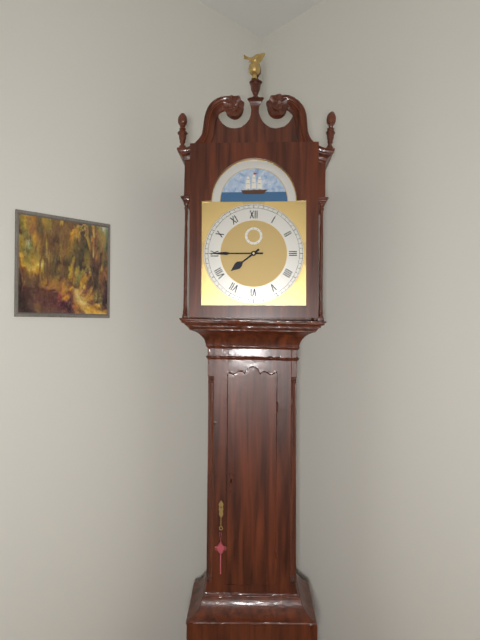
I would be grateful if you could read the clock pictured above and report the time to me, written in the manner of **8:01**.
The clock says **7:45**
